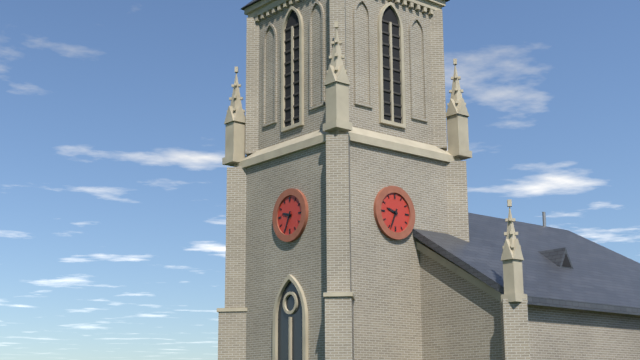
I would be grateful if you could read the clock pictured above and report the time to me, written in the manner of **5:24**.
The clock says **9:34**
